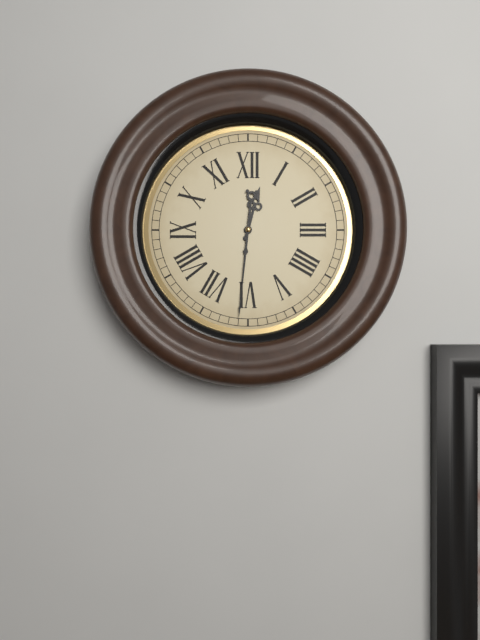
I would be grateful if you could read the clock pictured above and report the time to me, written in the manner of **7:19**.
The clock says **12:31**
